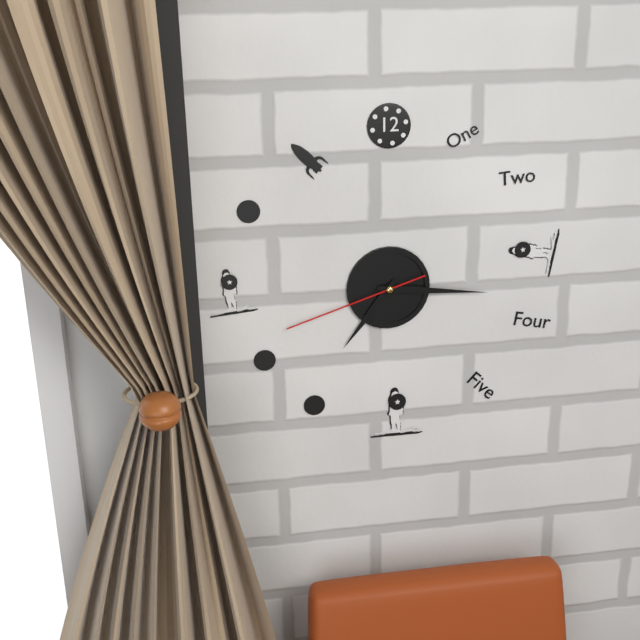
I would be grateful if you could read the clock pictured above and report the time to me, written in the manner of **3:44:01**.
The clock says **7:16:42**
